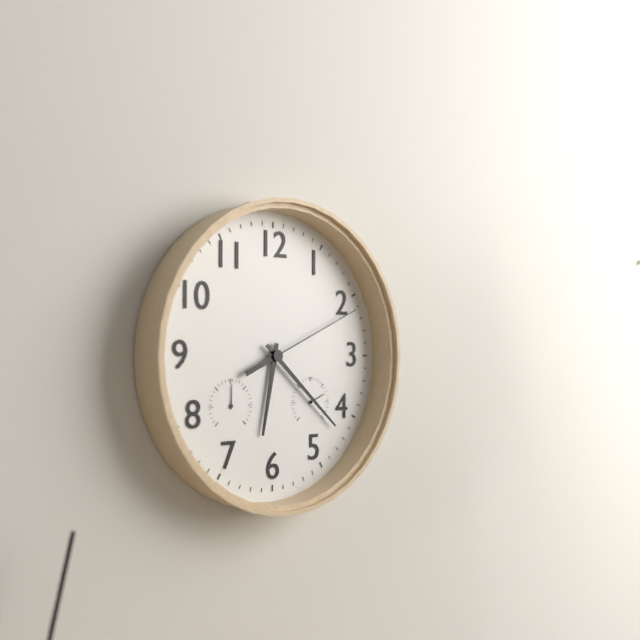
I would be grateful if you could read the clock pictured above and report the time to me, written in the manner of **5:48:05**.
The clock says **6:22:11**
